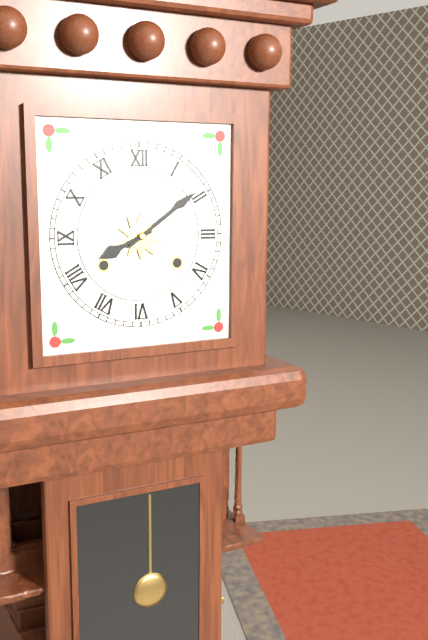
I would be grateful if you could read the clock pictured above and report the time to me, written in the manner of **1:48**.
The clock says **8:09**
